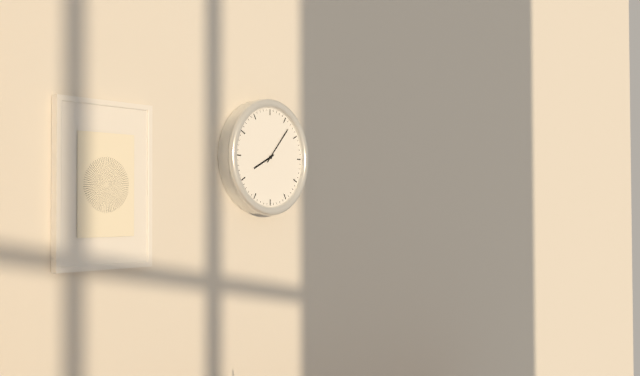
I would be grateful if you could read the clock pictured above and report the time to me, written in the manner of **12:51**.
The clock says **8:07**
